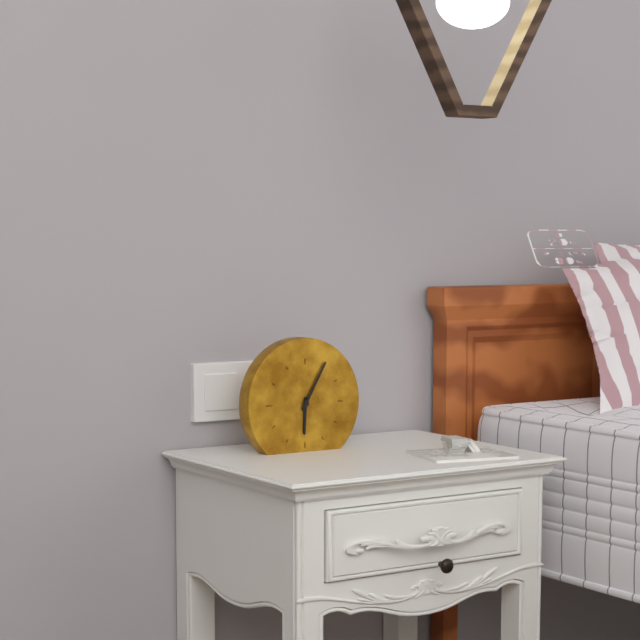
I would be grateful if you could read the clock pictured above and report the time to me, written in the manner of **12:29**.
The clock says **6:05**
